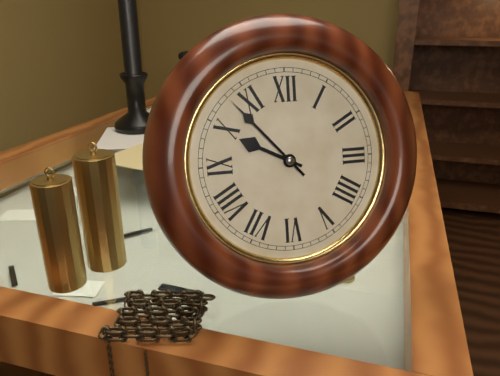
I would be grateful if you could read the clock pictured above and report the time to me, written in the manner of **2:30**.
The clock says **9:53**
